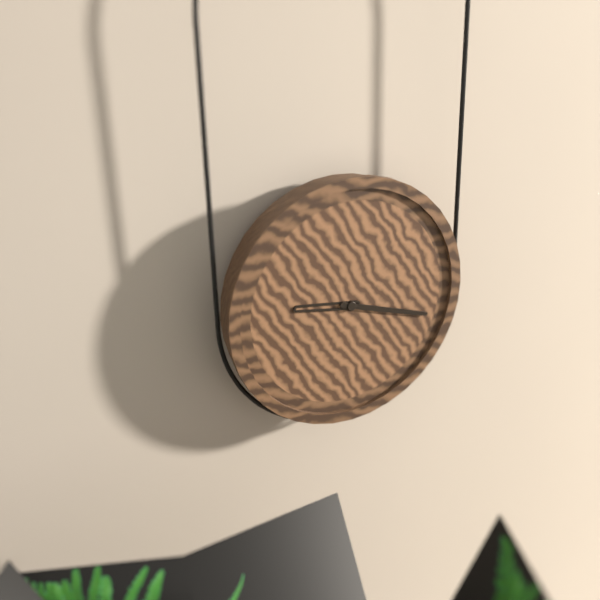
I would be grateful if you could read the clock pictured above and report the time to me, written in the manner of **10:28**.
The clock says **9:18**
